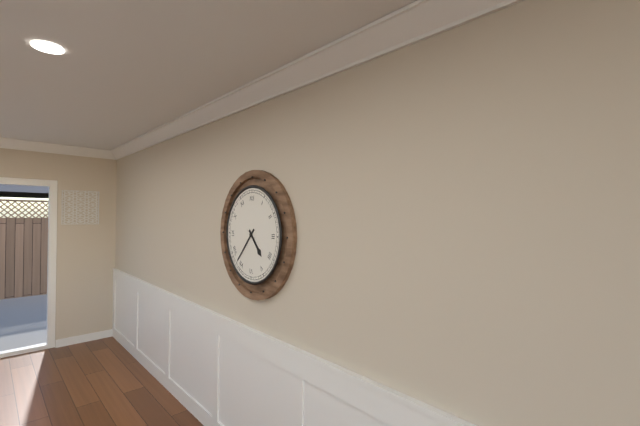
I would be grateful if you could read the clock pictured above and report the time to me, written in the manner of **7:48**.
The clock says **4:37**
